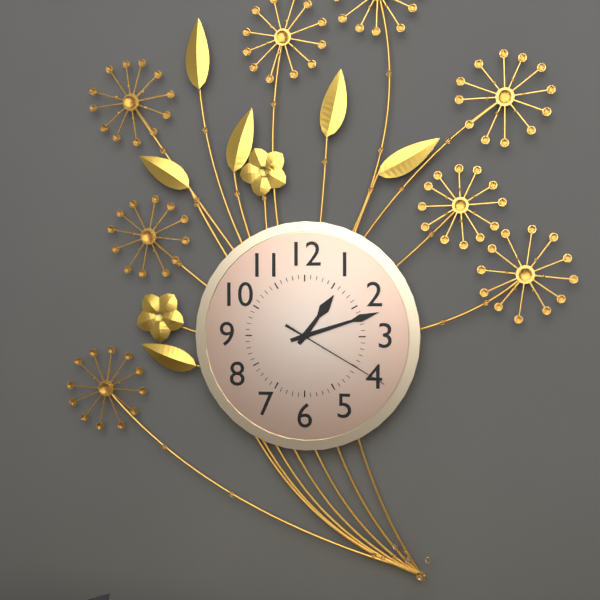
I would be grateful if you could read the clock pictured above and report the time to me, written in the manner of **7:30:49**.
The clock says **1:12:20**
